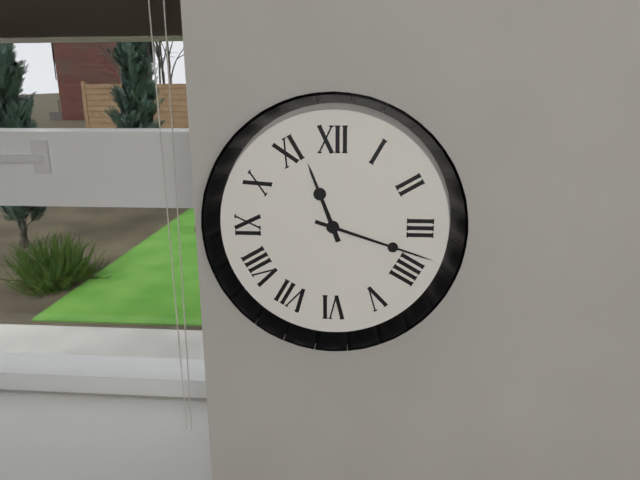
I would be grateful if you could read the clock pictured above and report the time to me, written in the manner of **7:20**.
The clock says **11:18**
